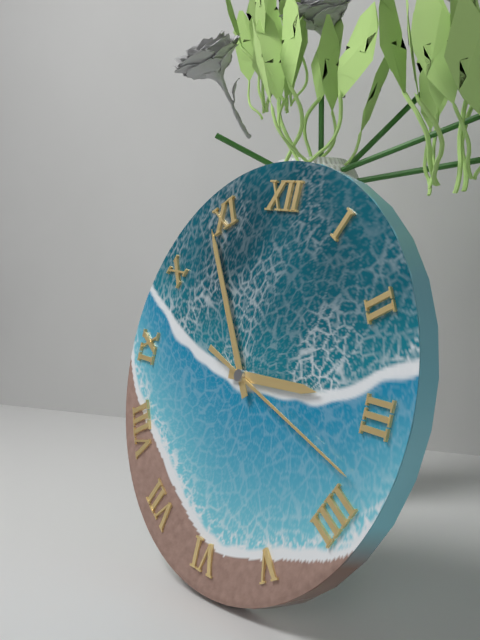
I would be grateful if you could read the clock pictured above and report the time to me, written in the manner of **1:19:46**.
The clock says **2:54:18**
